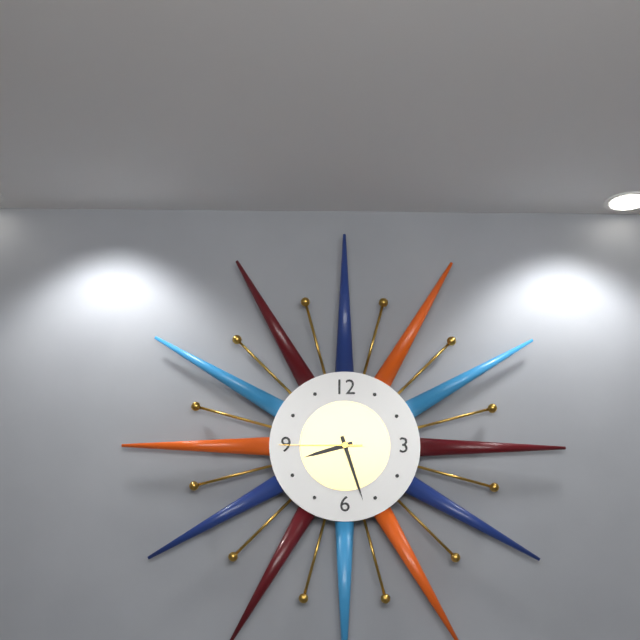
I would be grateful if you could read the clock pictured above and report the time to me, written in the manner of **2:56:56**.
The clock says **8:27:45**
